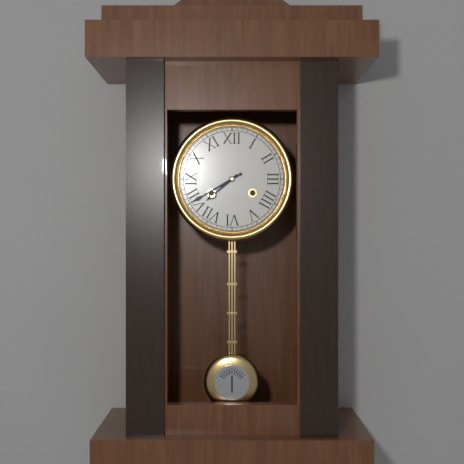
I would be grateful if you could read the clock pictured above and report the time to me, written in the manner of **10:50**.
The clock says **7:40**
